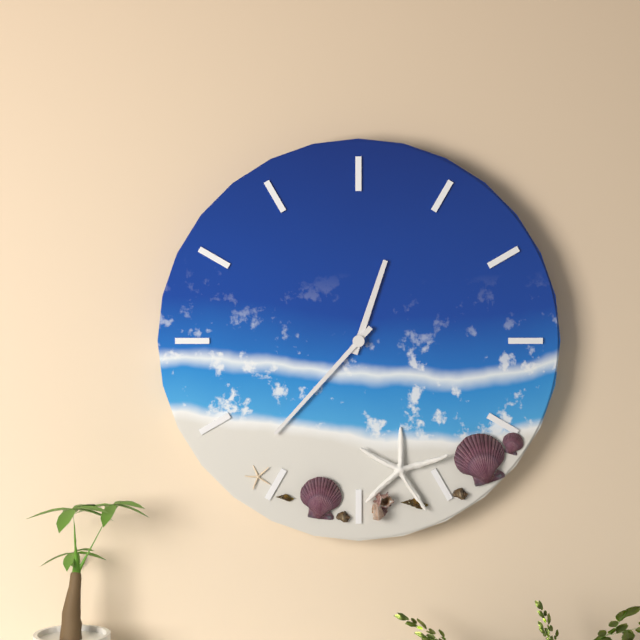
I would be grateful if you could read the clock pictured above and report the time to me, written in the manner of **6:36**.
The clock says **12:37**
